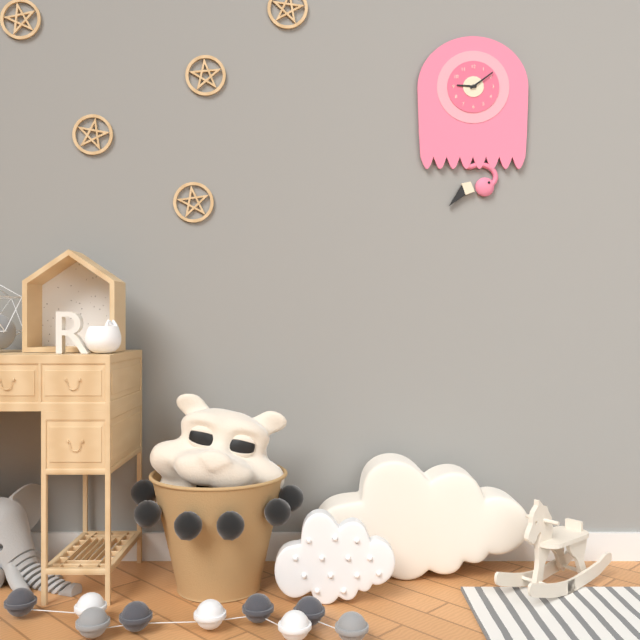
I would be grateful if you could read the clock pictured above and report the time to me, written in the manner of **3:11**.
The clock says **9:09**
